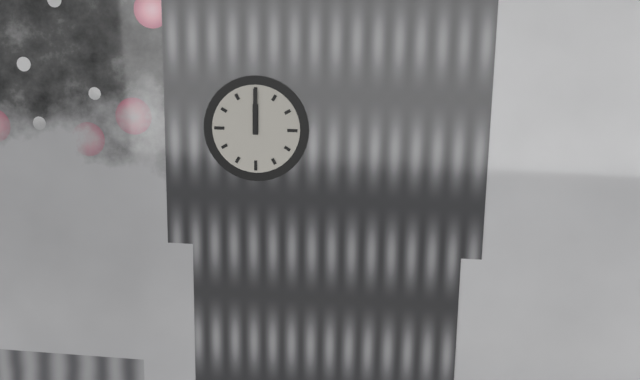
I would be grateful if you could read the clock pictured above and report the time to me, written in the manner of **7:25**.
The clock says **12:00**
